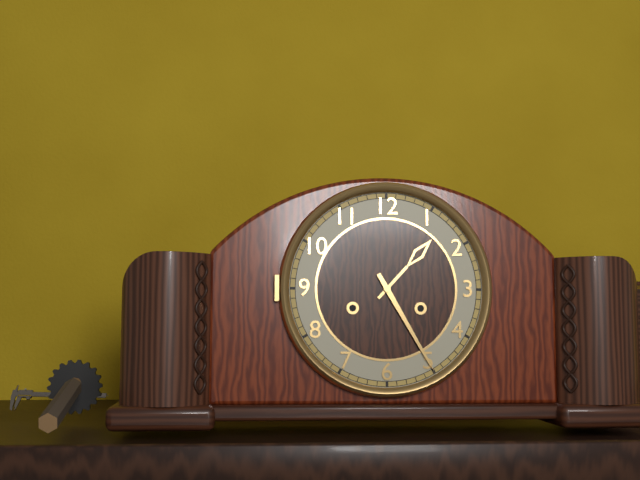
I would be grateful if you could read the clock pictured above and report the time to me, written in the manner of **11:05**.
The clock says **1:25**
